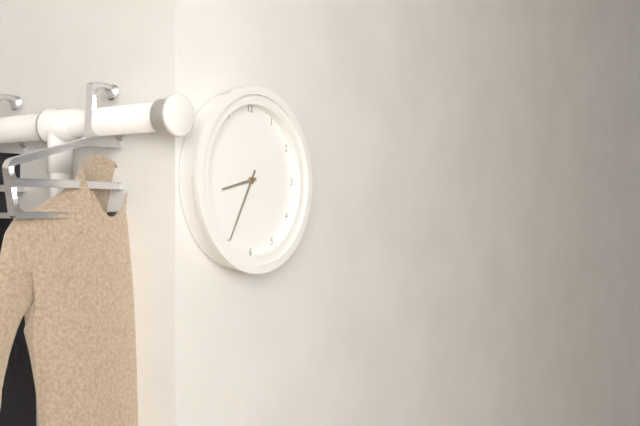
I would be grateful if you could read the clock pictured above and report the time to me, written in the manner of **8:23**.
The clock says **8:35**
